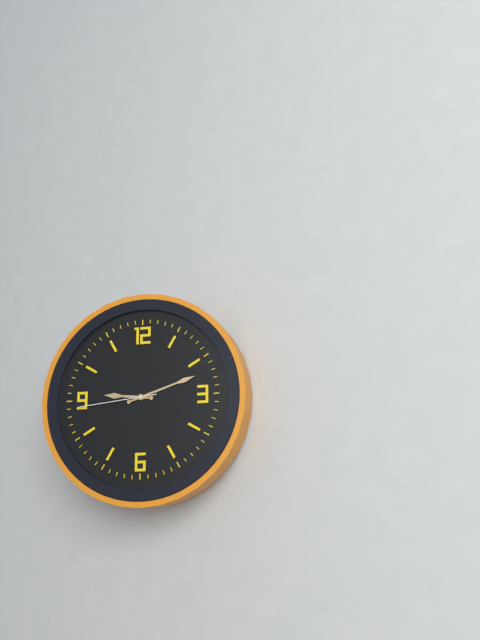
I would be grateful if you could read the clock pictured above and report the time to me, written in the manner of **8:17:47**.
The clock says **9:12:44**
